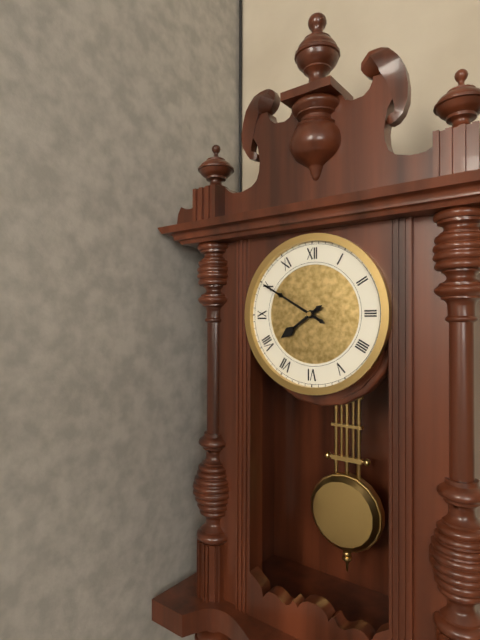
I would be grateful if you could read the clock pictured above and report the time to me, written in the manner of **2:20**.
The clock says **7:50**
